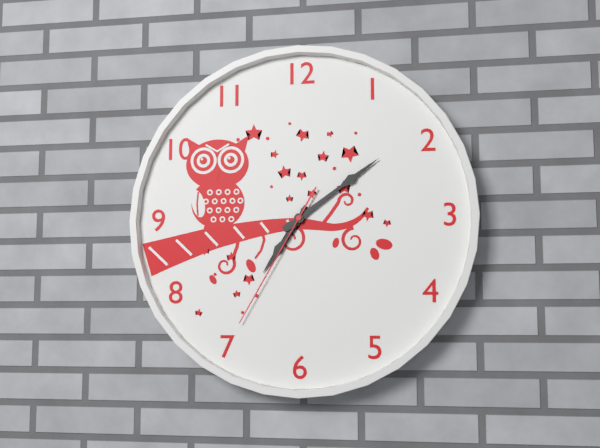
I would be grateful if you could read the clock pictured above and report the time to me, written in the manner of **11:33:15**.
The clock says **7:09:35**
